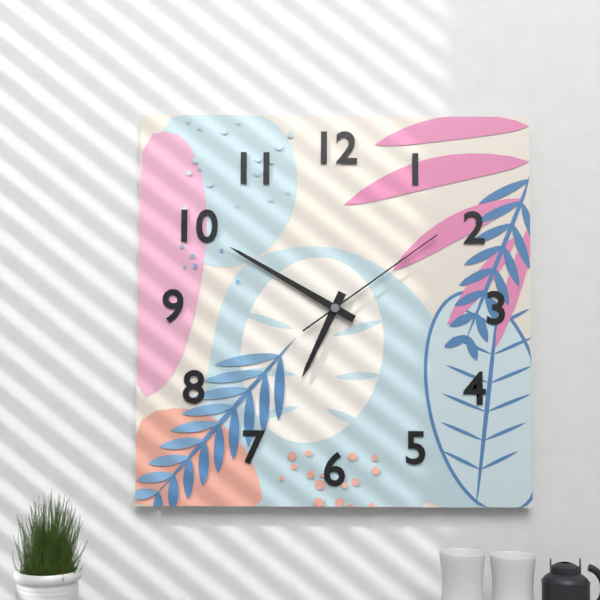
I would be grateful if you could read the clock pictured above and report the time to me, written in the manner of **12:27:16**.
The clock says **6:50:09**
